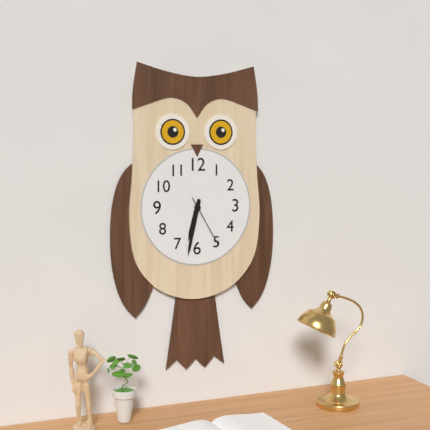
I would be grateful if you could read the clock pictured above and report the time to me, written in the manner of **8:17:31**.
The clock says **6:32:25**
